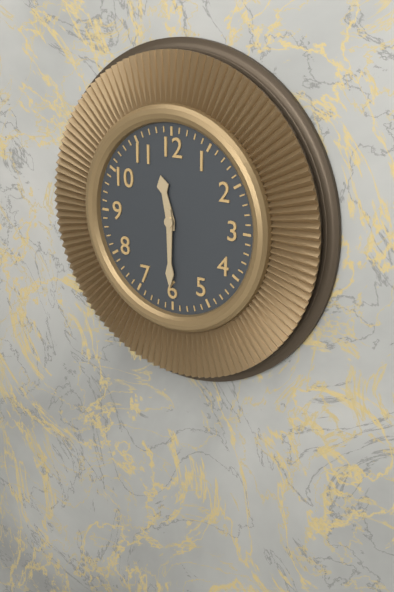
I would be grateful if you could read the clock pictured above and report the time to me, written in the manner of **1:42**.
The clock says **11:30**
